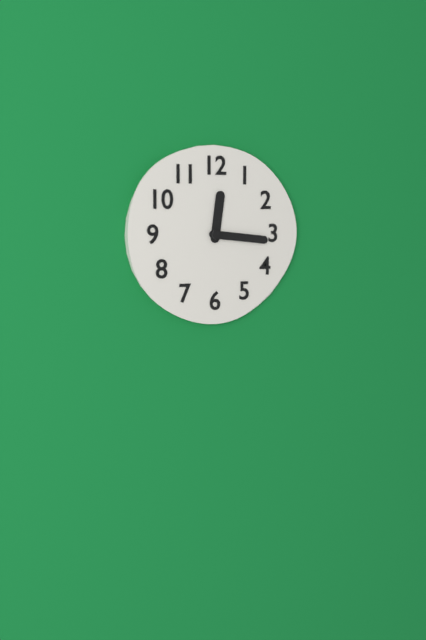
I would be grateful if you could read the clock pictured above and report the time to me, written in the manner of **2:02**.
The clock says **12:16**
